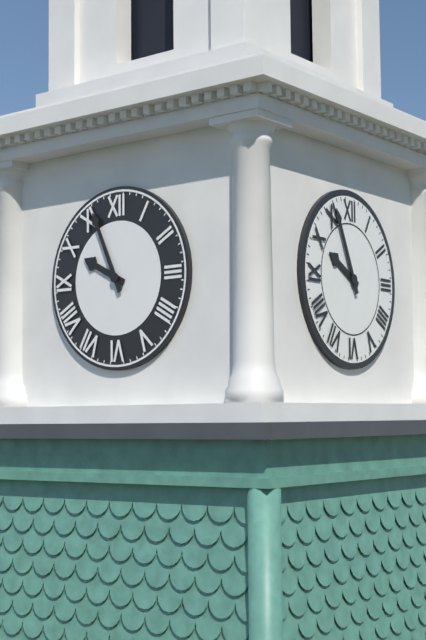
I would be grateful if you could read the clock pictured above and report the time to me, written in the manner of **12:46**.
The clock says **9:56**
